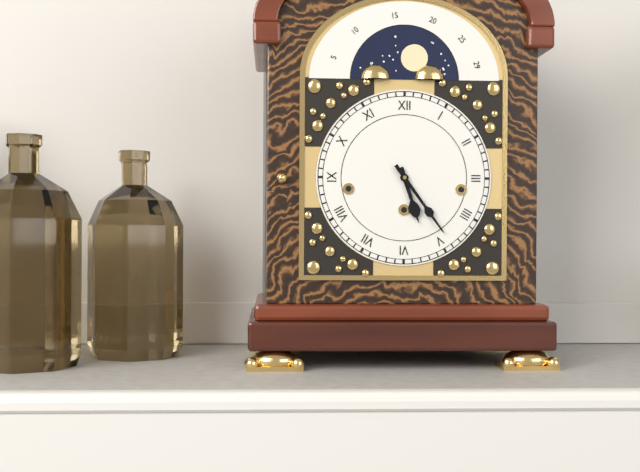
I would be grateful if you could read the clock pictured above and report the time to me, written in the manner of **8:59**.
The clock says **5:24**
